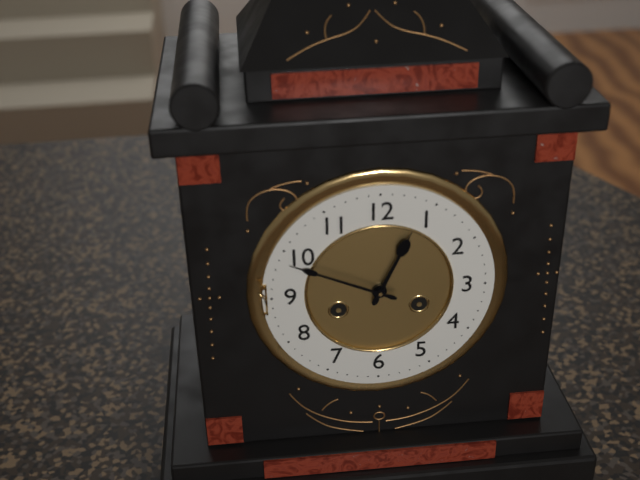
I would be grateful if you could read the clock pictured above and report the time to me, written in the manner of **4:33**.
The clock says **12:49**
